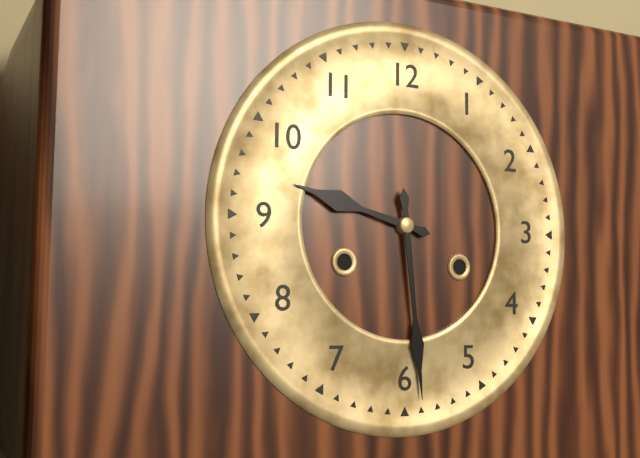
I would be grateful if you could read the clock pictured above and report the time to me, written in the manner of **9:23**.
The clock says **9:29**
